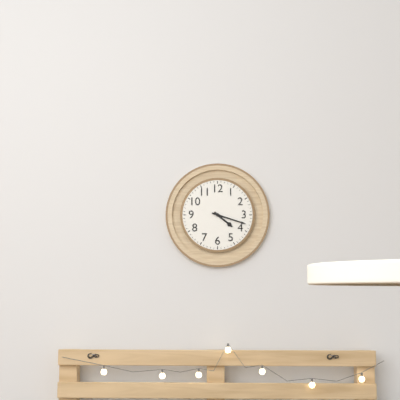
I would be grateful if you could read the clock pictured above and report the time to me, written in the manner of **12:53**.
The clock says **4:18**
